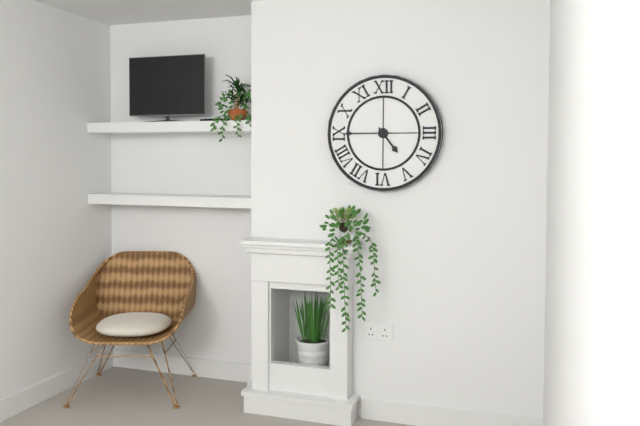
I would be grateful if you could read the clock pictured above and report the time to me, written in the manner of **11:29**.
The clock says **4:45**
